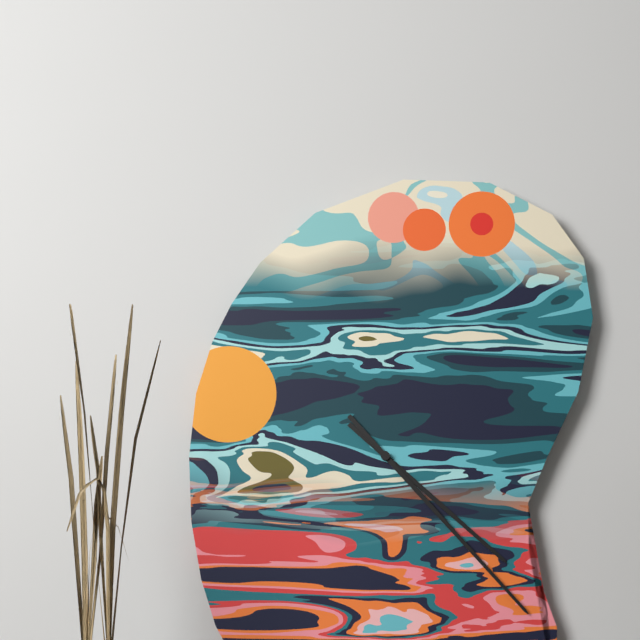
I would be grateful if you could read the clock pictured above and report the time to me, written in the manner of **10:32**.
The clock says **4:23**
